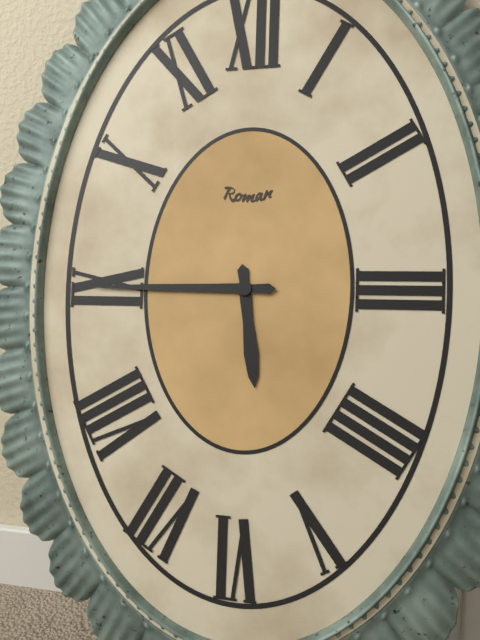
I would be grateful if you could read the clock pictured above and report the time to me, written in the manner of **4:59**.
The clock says **5:45**
